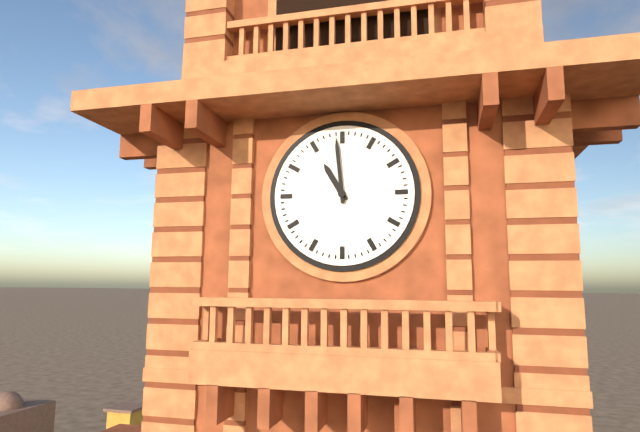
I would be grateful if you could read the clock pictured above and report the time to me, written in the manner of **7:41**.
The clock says **10:59**
